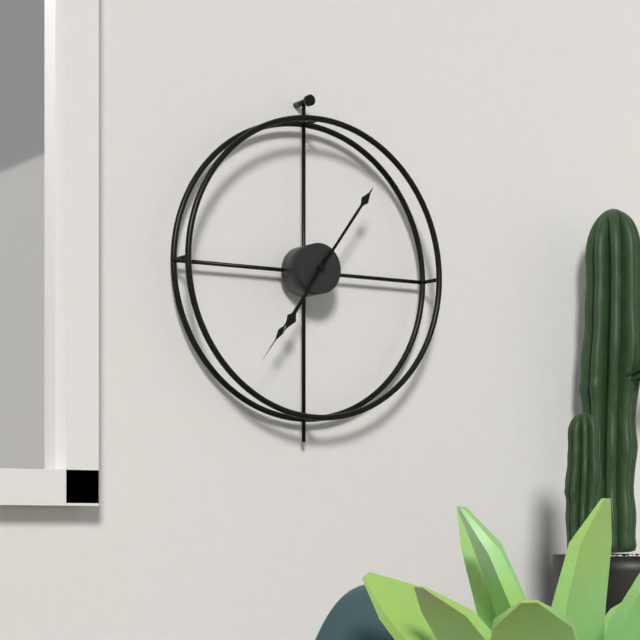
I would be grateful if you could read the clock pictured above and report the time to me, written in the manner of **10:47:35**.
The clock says **7:06:36**
